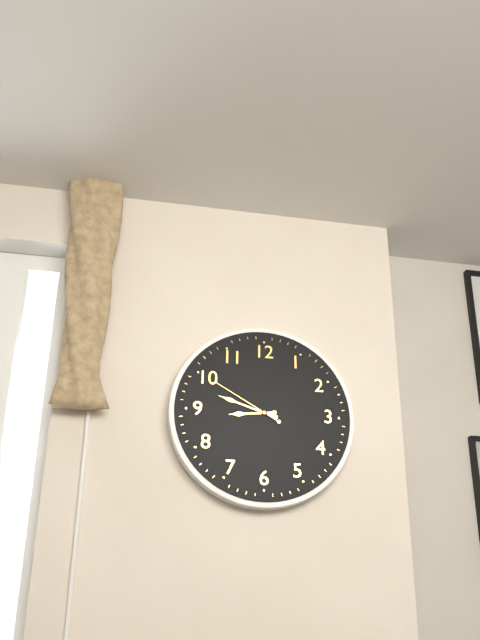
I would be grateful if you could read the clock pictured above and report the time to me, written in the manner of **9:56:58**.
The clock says **8:48:50**
